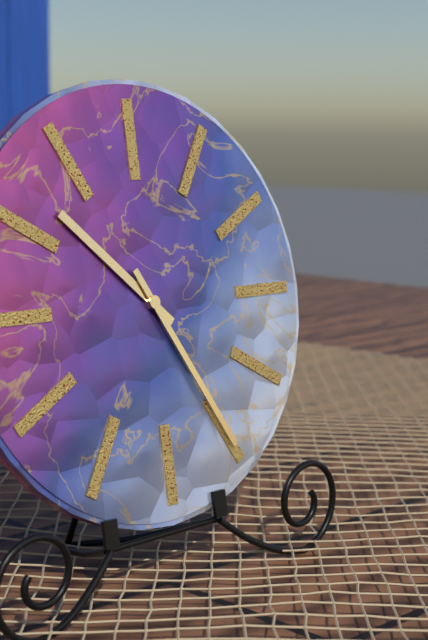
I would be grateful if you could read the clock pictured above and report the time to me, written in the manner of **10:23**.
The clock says **10:25**
